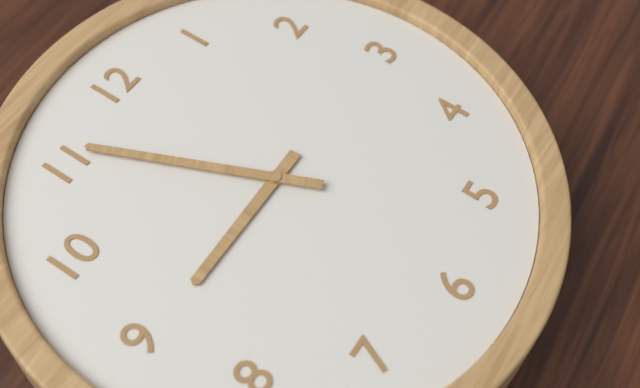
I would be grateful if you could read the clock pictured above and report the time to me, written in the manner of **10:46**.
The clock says **8:56**
